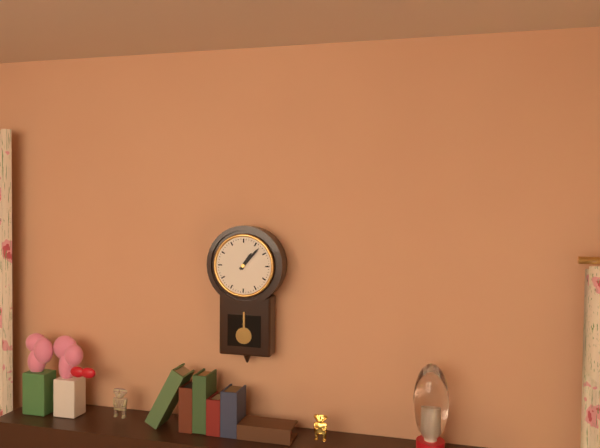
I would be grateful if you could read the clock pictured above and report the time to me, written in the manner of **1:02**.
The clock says **1:07**
